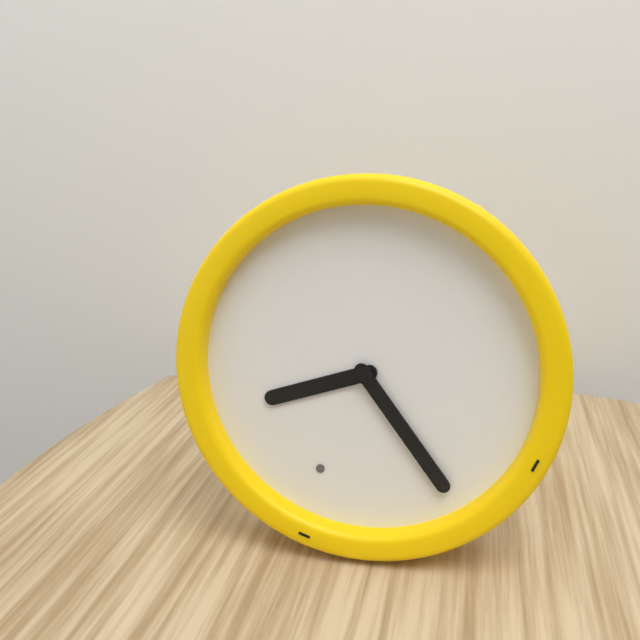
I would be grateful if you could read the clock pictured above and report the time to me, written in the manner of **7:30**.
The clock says **8:24**
